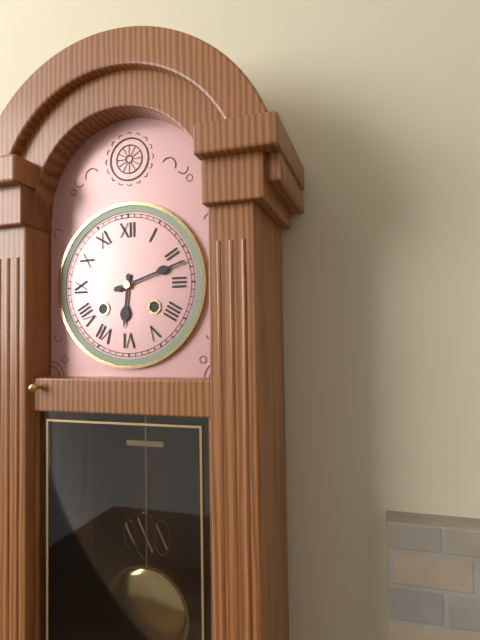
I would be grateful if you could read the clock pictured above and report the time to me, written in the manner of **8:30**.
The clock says **6:12**
